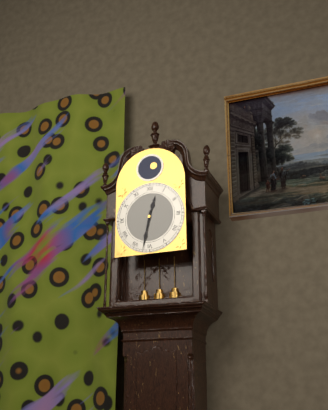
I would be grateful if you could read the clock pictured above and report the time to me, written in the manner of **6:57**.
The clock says **12:32**
